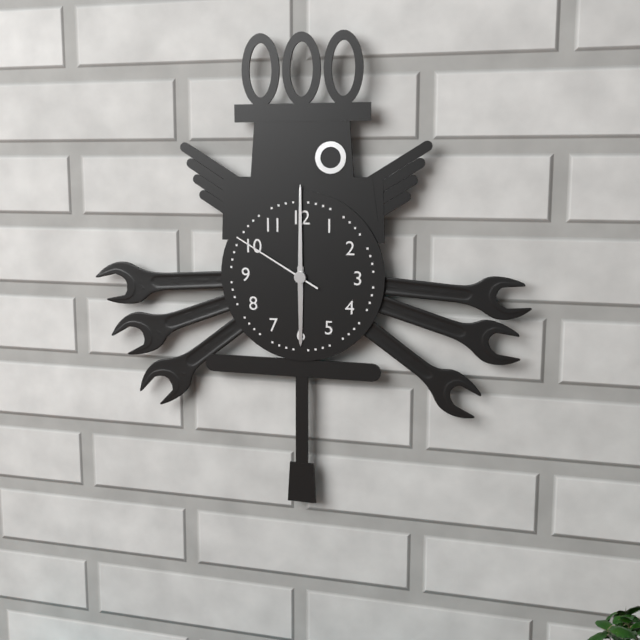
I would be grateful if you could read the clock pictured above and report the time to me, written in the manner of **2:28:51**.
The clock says **6:00:50**
